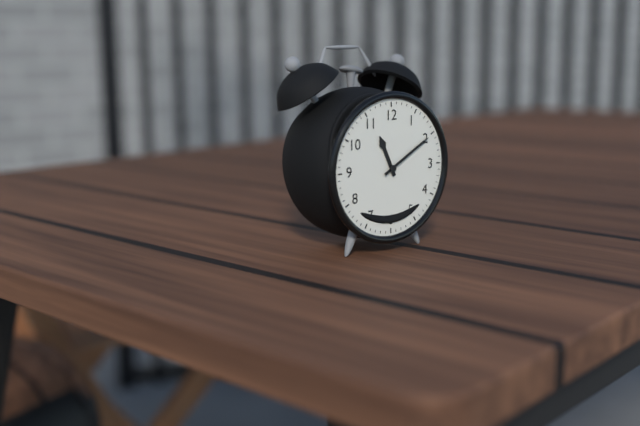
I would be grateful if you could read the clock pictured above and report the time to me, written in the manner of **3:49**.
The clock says **11:10**
